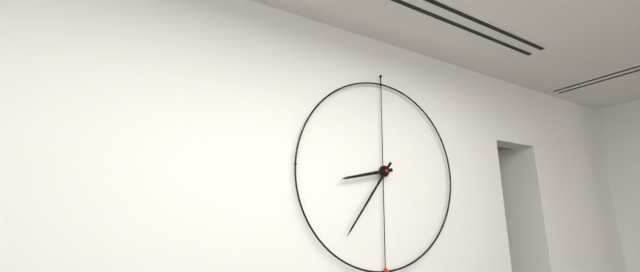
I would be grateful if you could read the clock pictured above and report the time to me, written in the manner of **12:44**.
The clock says **8:36**
